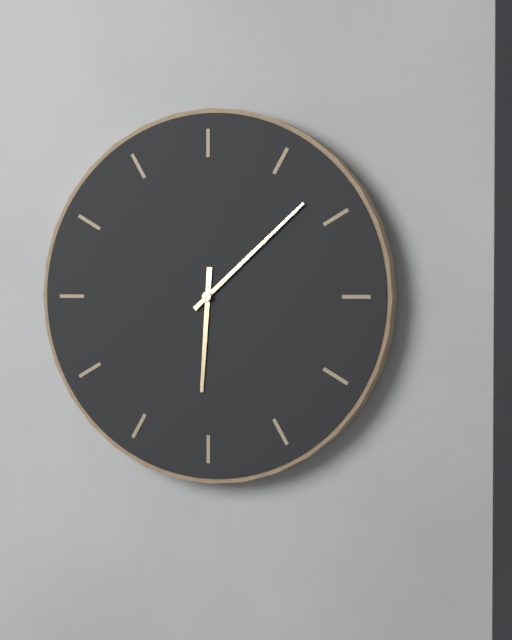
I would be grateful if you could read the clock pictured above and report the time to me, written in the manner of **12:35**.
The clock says **6:08**
